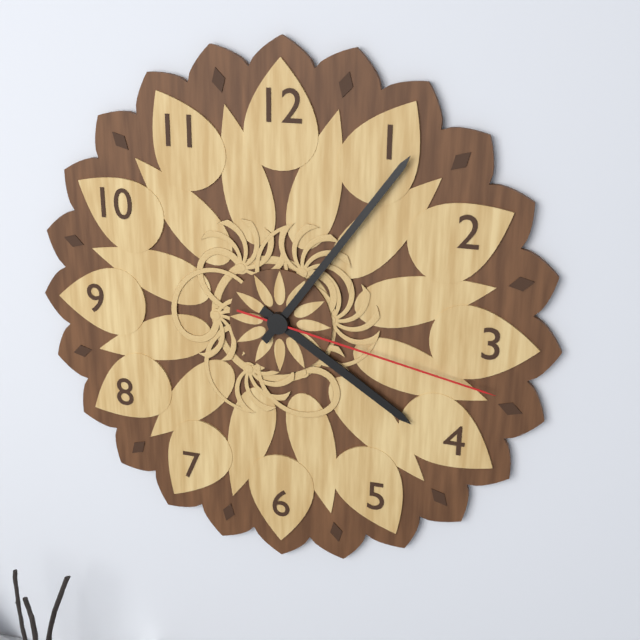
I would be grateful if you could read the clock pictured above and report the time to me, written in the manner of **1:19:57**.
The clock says **4:06:17**
